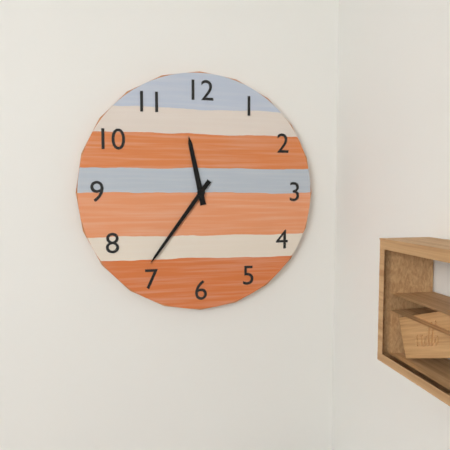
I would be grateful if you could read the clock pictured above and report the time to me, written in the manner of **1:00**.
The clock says **11:36**
